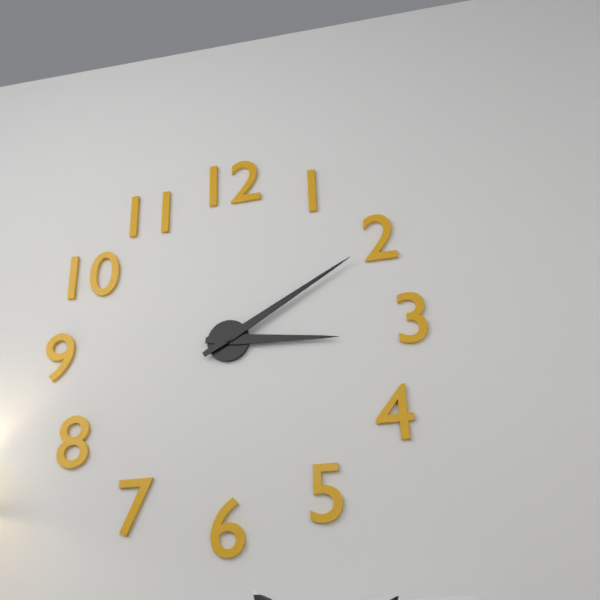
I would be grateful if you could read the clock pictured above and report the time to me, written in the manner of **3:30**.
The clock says **3:10**
